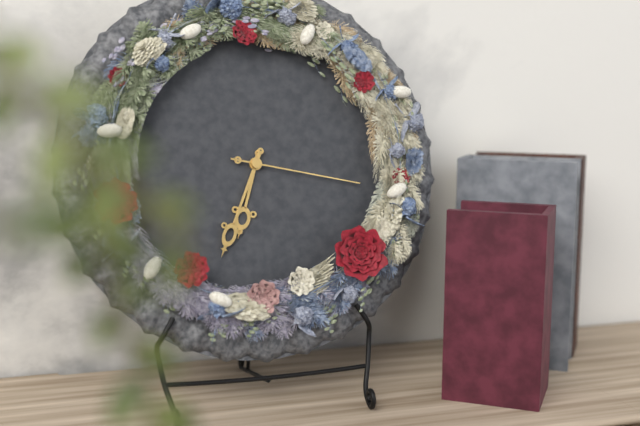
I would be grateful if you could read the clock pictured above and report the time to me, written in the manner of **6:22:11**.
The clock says **6:34:17**
